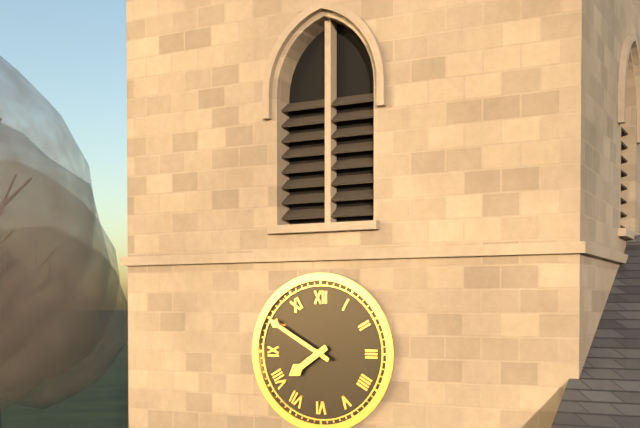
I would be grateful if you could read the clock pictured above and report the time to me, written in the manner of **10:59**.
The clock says **7:50**
